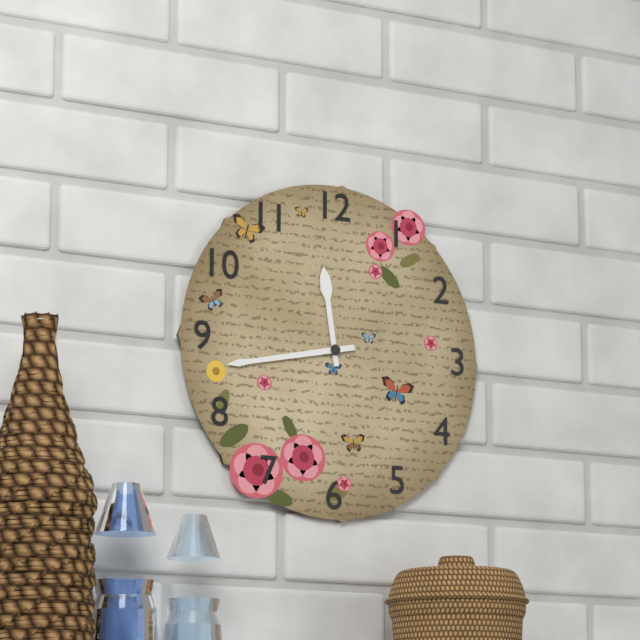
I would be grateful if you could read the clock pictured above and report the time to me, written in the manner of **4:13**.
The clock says **11:43**
